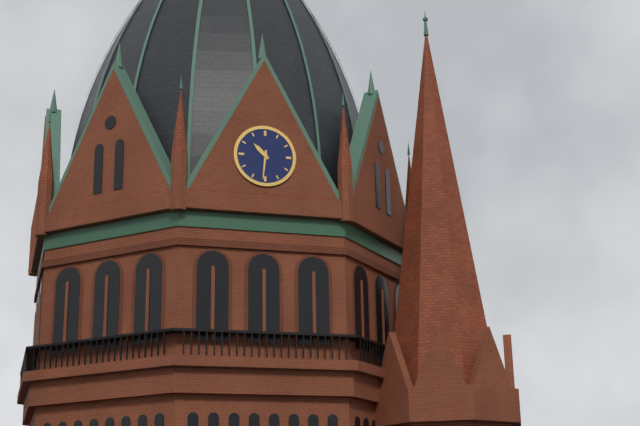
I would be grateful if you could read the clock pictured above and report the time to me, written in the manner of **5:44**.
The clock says **10:31**
